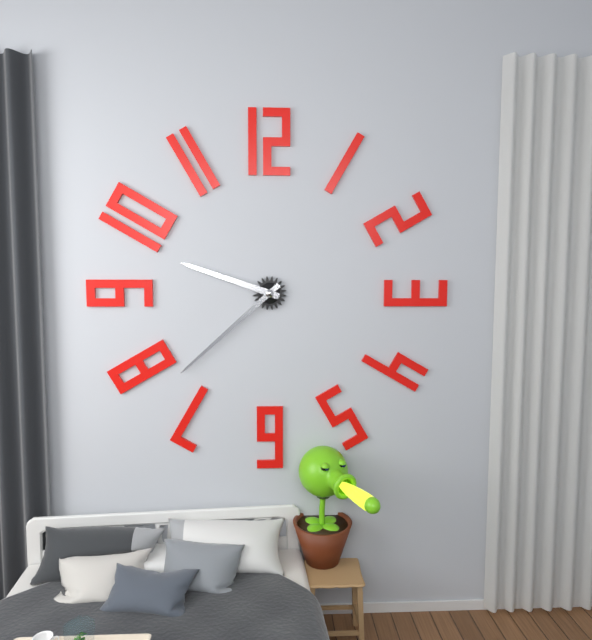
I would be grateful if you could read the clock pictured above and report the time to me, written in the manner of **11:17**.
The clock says **9:38**
